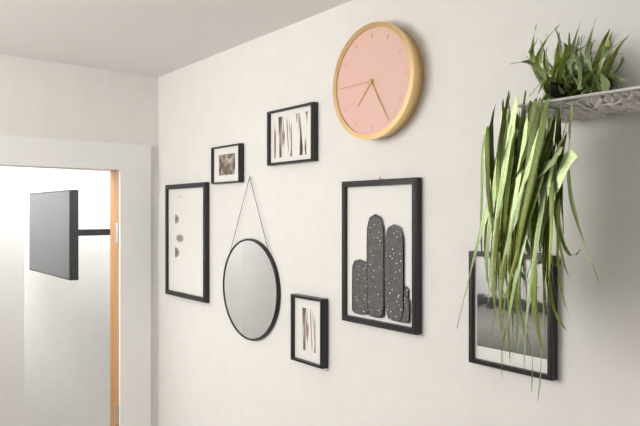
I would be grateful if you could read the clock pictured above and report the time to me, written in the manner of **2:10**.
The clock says **7:25**
